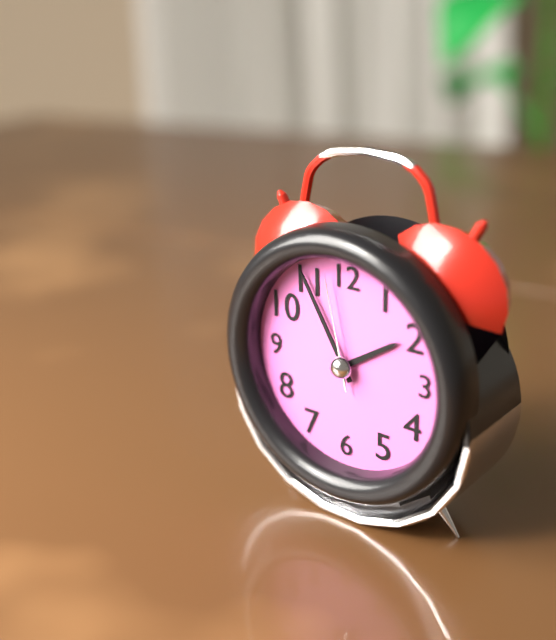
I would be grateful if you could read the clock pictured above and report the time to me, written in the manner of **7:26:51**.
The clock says **1:55:58**
